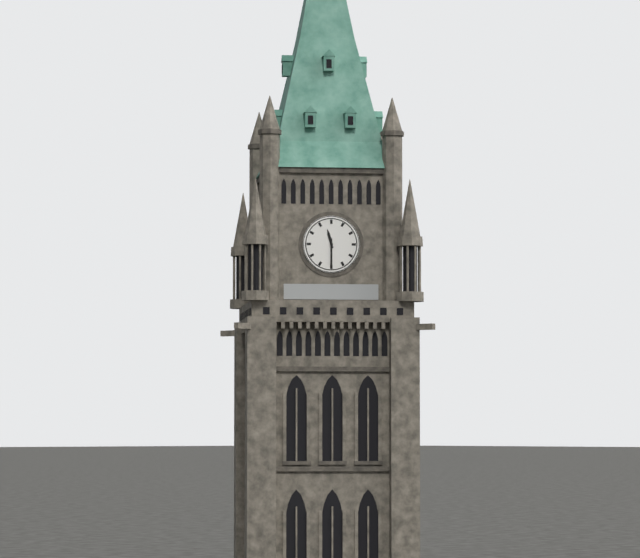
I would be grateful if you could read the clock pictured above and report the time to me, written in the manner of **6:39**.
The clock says **11:30**
